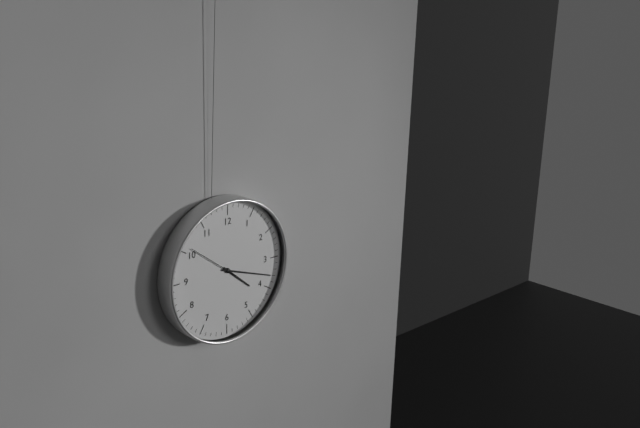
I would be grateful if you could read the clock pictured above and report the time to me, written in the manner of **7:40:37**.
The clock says **4:18:51**
